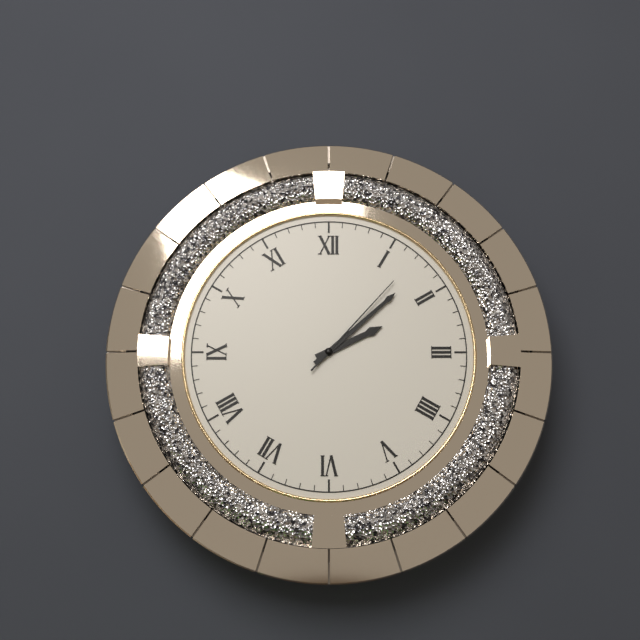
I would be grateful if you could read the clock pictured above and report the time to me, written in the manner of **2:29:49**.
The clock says **2:08:07**
